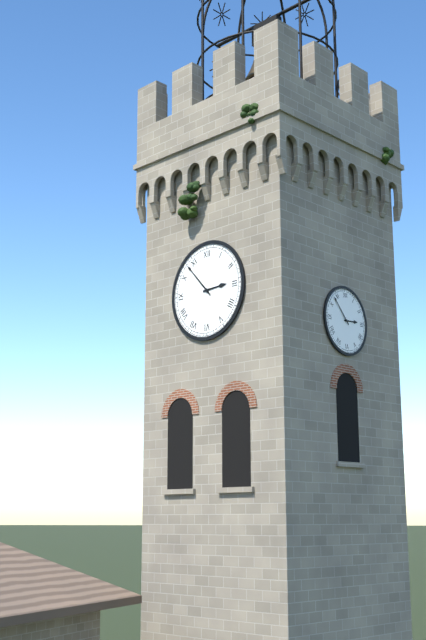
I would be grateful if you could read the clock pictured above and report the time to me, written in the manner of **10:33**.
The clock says **2:53**
